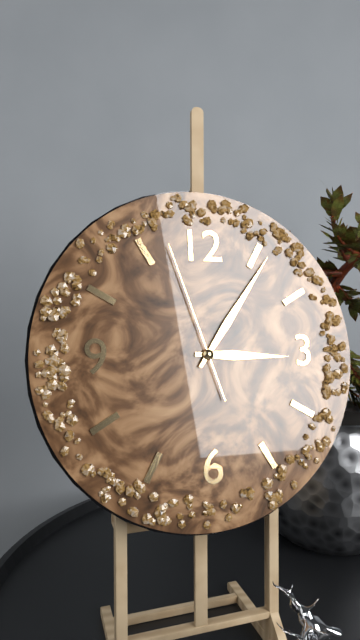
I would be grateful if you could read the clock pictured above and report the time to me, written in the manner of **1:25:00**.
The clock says **3:06:57**
